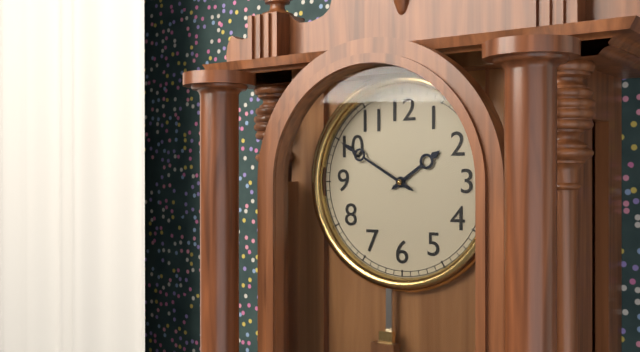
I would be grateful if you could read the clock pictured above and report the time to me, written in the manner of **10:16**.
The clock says **1:50**
